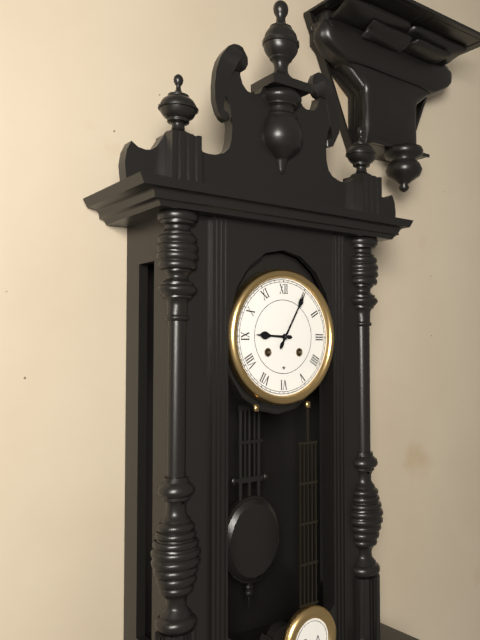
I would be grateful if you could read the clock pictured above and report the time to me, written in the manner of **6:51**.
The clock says **9:05**
